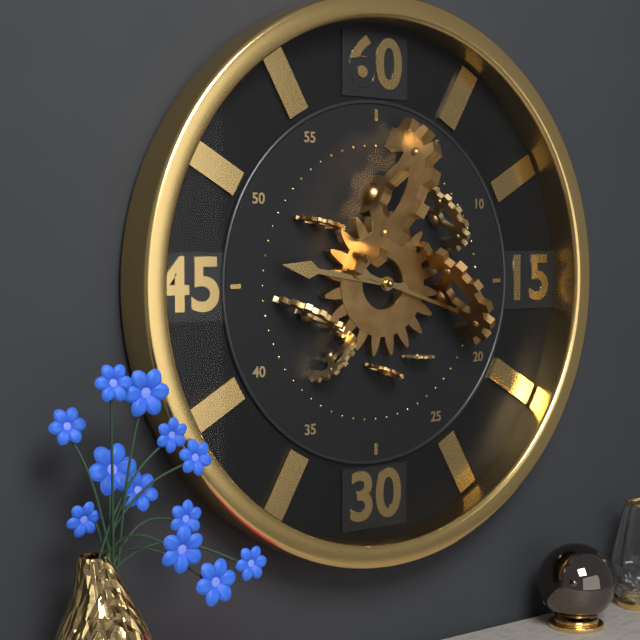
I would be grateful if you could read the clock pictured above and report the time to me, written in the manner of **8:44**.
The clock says **9:18**
